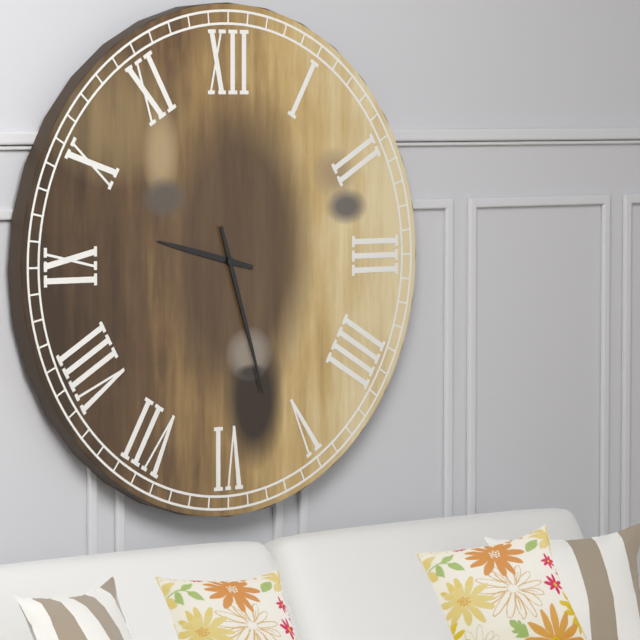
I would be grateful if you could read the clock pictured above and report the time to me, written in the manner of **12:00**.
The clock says **9:27**
